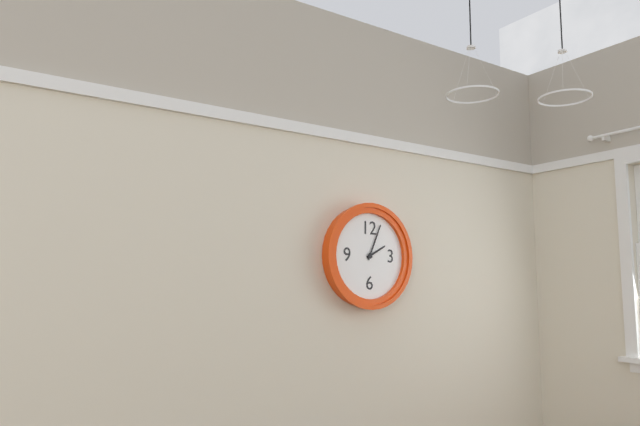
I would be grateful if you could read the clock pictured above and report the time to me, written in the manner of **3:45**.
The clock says **2:04**
